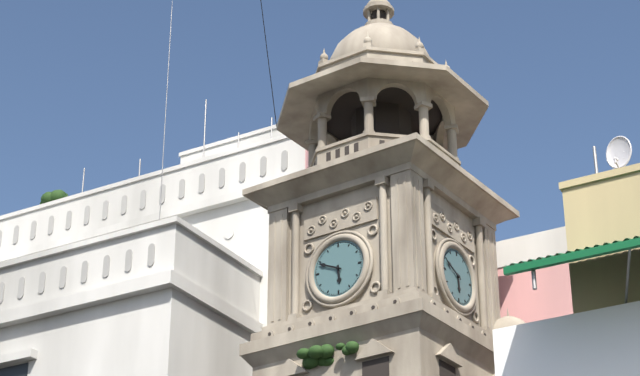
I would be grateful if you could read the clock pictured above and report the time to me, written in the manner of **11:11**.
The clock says **5:49**
